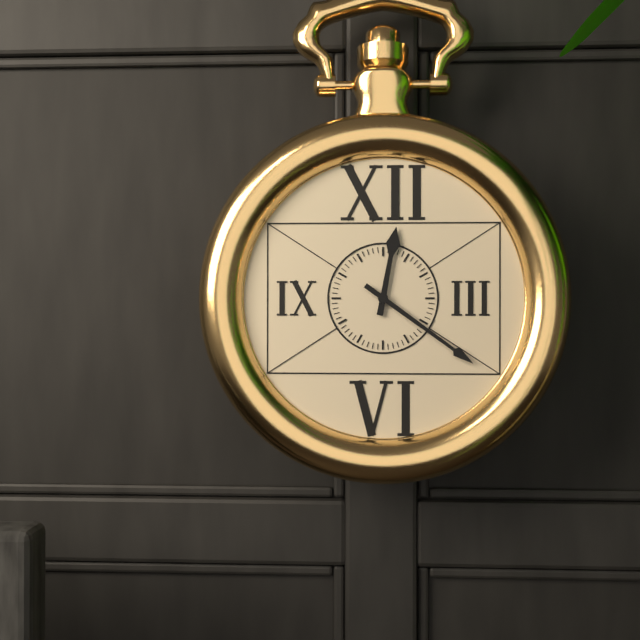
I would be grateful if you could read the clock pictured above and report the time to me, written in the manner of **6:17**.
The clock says **12:21**
